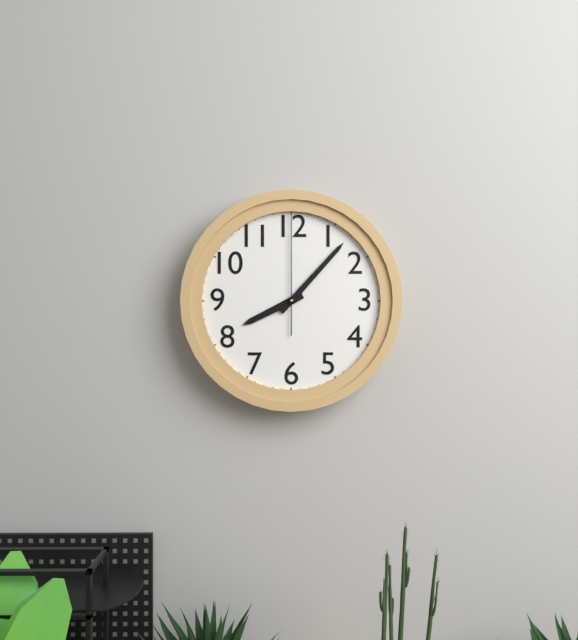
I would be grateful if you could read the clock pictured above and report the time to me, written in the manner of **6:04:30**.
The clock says **8:07:00**
